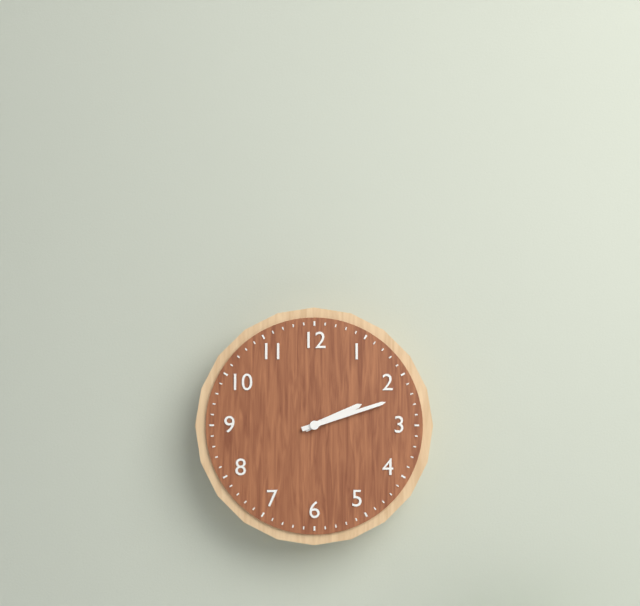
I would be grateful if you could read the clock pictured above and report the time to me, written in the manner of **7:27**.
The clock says **2:12**
